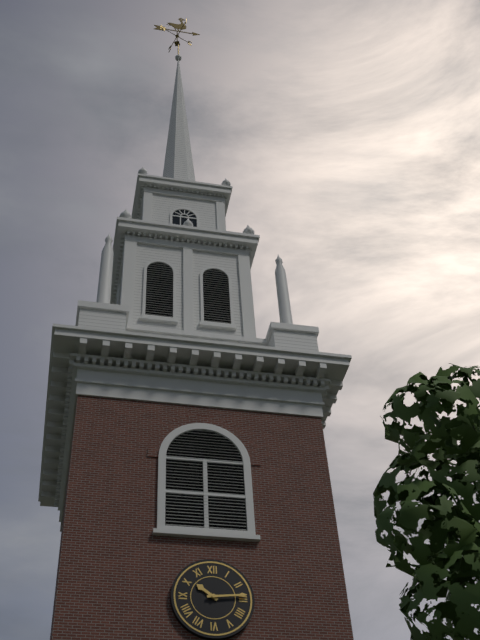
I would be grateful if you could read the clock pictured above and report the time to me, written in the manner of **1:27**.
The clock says **10:14**
